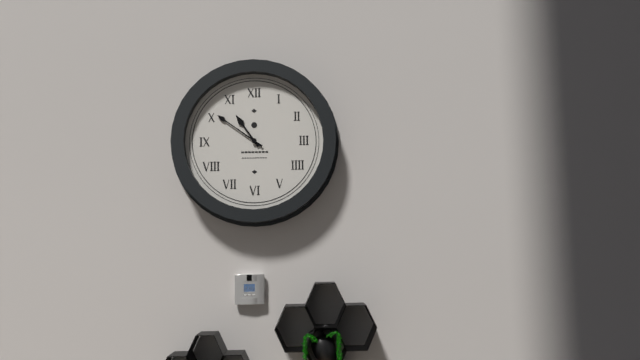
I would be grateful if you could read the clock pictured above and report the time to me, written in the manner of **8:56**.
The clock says **10:51**
